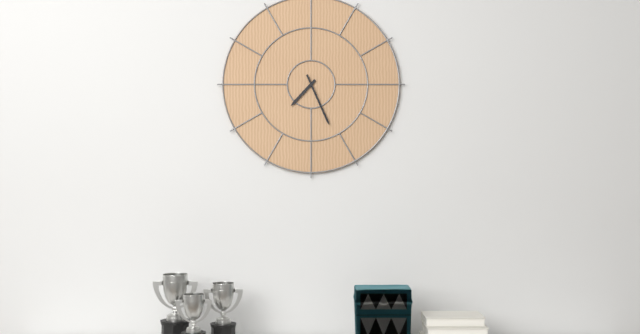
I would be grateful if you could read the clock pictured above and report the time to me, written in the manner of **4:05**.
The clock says **7:26**
